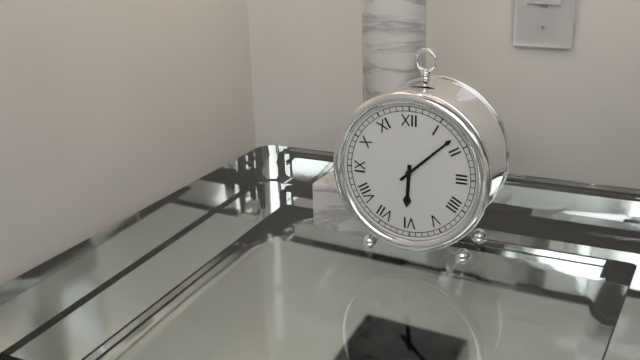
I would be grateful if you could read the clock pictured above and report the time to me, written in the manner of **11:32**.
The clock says **6:08**
